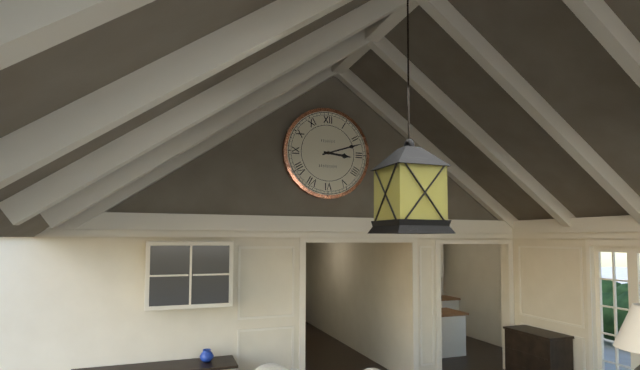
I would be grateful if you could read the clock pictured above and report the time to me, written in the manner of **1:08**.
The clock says **3:12**
